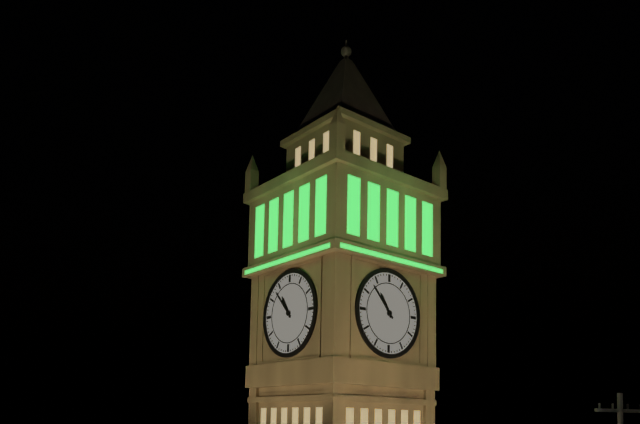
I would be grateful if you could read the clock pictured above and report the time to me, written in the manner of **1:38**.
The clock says **10:53**
